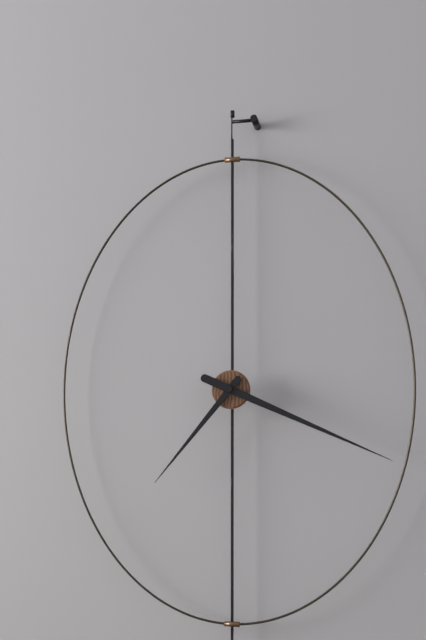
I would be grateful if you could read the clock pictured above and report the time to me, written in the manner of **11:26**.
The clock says **7:19**
